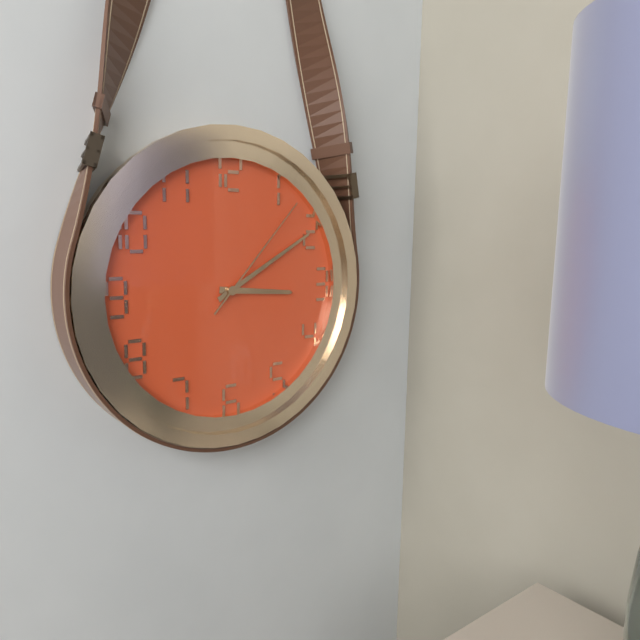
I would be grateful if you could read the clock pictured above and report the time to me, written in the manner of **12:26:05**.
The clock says **3:10:07**
